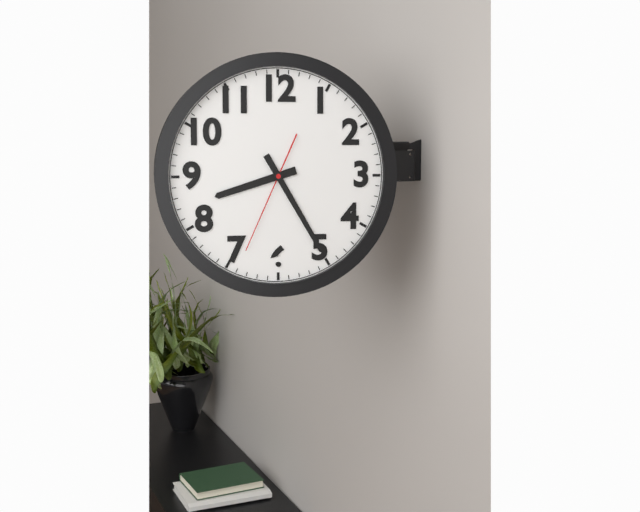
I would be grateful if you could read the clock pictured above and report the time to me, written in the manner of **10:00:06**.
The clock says **8:25:34**
